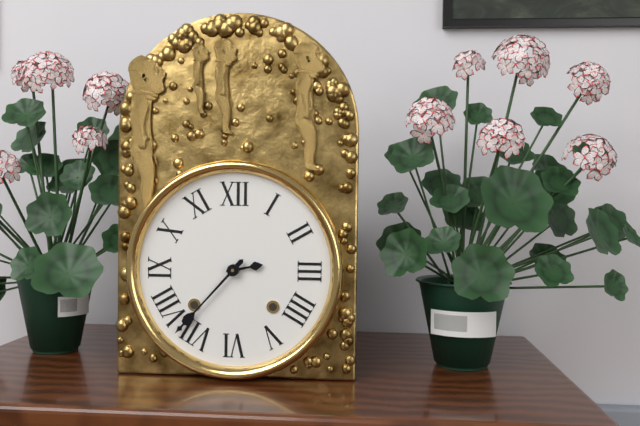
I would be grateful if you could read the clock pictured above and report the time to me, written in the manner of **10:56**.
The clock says **2:37**
